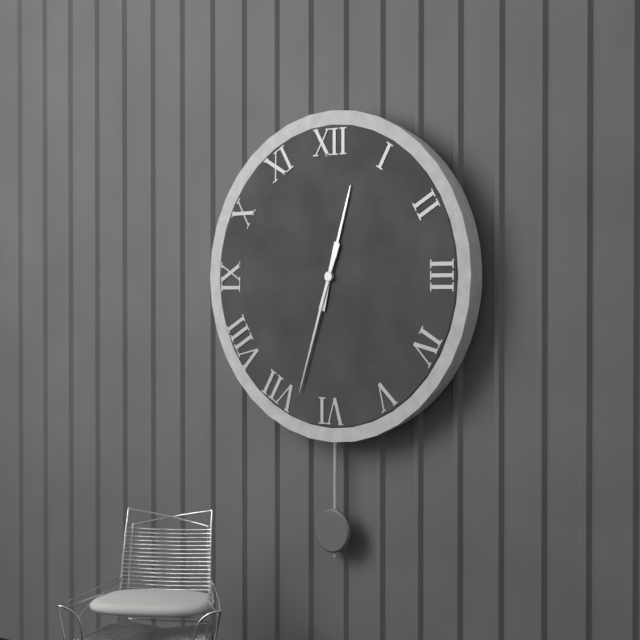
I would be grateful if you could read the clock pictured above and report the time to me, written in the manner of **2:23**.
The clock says **12:33**
